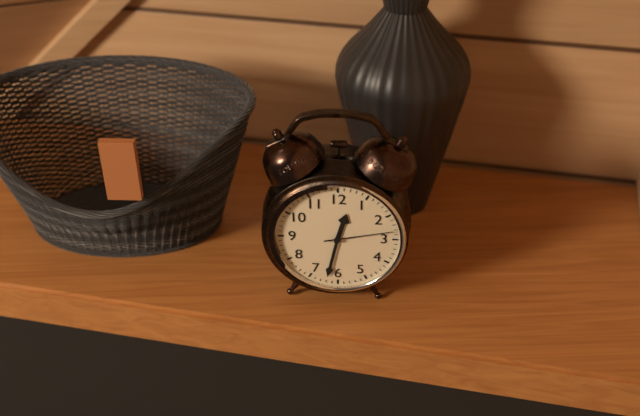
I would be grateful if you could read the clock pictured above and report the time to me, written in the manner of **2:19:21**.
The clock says **12:32:13**
